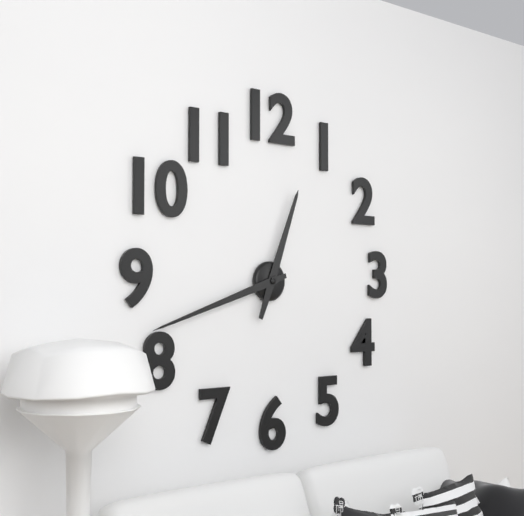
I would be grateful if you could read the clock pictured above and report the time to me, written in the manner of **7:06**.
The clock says **12:42**
